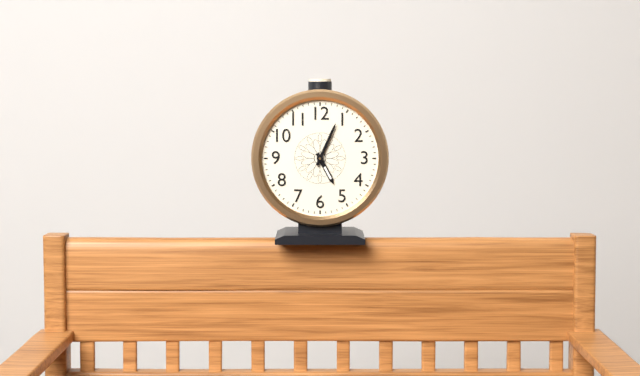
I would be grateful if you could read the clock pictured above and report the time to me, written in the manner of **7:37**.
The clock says **5:04**
